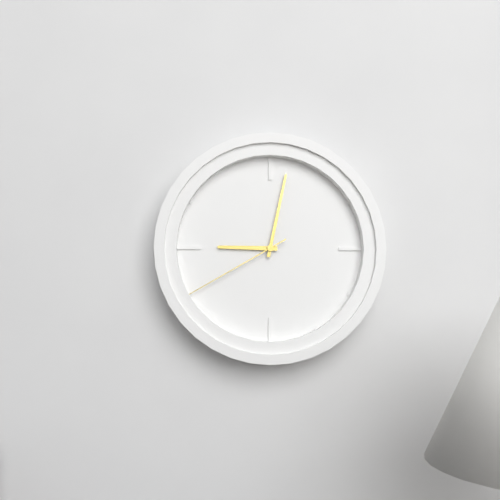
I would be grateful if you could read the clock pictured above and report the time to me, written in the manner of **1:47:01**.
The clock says **9:02:40**
